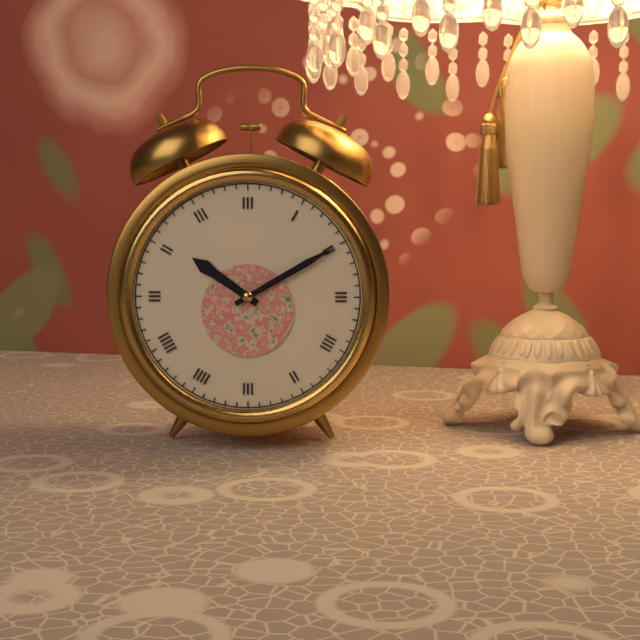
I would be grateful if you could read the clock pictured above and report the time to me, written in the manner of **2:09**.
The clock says **10:10**
